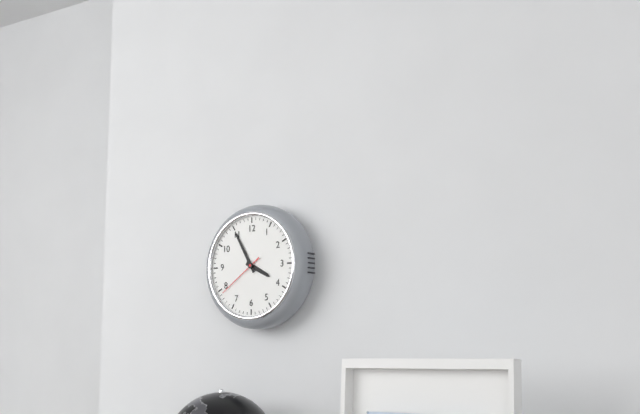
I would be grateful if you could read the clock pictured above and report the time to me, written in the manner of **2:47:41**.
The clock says **3:55:39**
